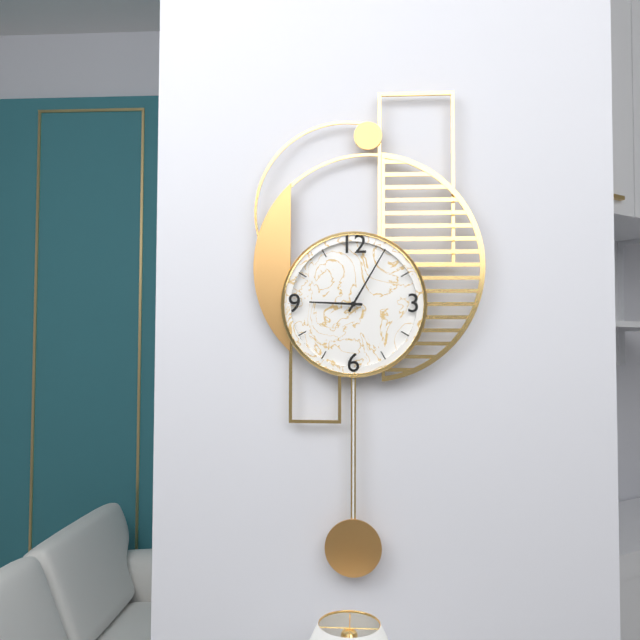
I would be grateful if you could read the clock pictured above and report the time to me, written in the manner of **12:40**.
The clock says **9:05**
